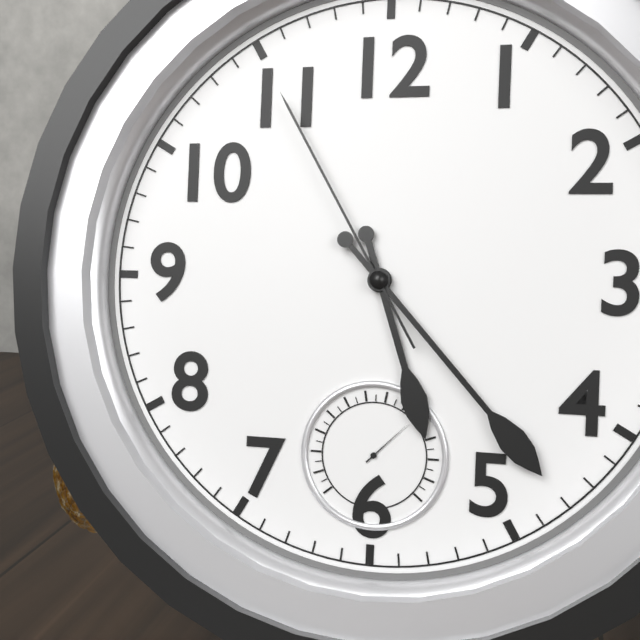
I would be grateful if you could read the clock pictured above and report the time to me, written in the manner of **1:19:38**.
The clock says **5:23:55**
